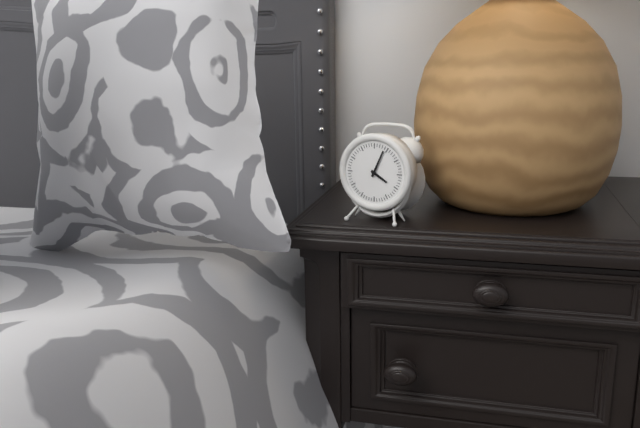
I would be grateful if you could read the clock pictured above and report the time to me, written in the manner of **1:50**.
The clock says **4:04**
